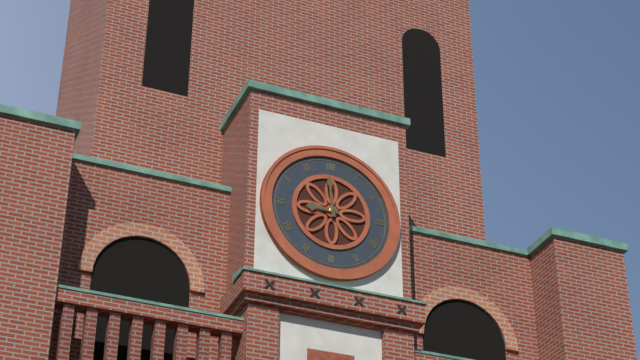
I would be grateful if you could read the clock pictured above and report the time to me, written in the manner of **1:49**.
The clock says **8:59**
